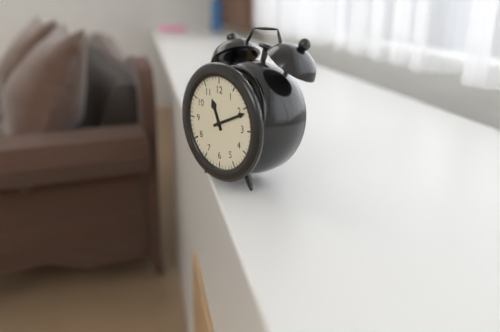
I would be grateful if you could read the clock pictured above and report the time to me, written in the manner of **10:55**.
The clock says **11:11**
